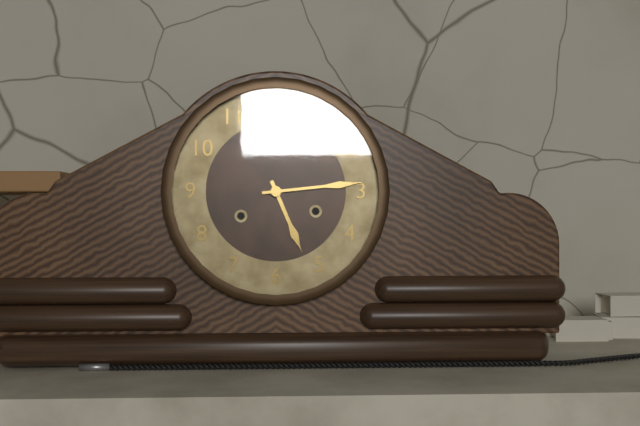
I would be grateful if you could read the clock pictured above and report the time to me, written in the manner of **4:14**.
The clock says **5:14**
